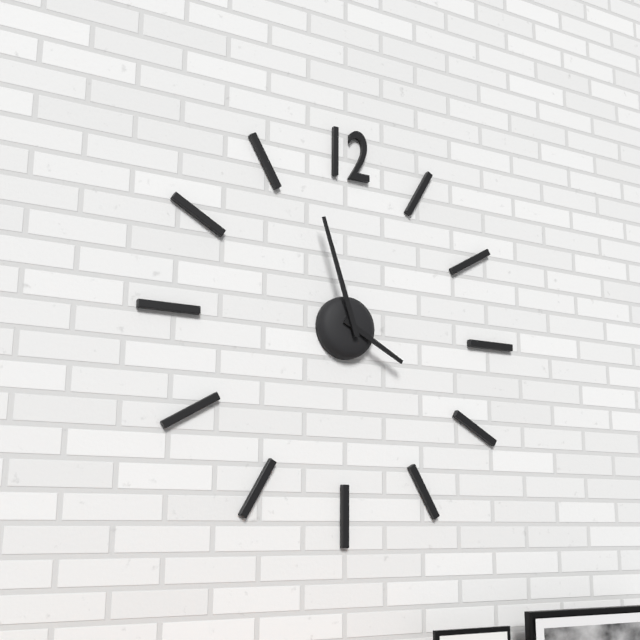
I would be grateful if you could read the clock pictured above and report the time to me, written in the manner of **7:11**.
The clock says **3:57**
